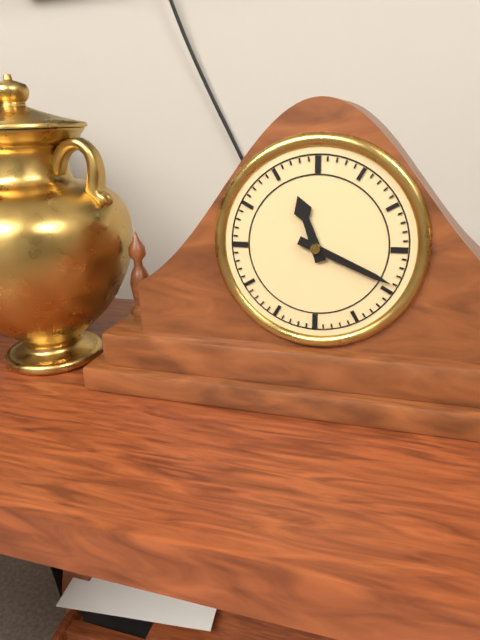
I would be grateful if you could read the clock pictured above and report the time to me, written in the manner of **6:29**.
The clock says **11:19**
